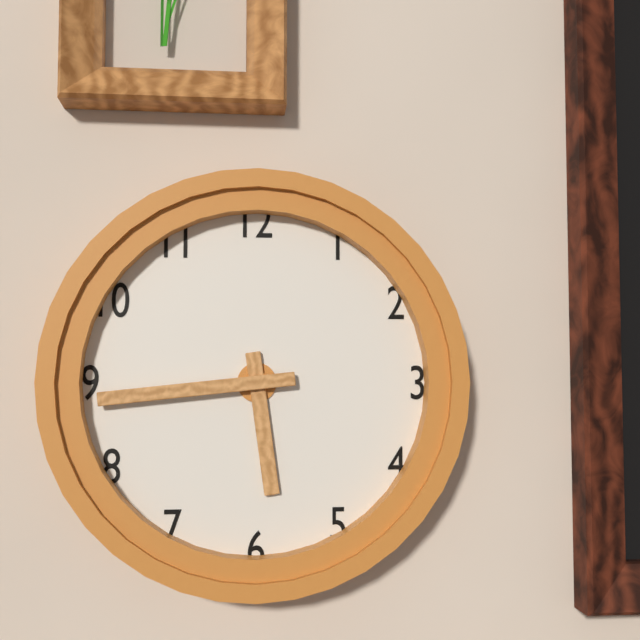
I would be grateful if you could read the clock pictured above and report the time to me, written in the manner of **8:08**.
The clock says **5:44**
